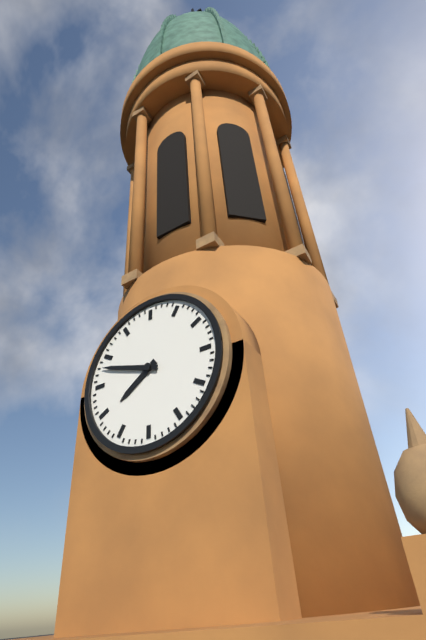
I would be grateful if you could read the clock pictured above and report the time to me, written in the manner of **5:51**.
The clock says **7:48**
